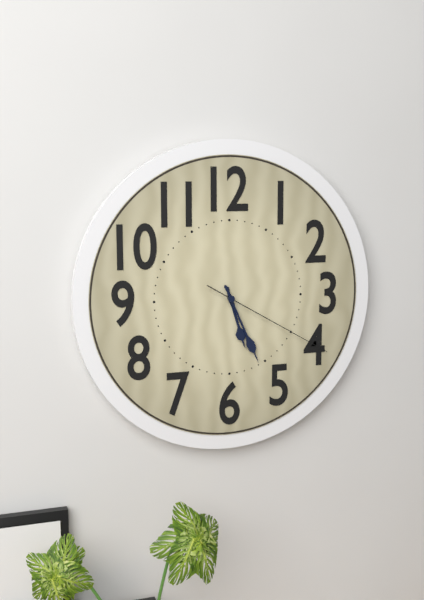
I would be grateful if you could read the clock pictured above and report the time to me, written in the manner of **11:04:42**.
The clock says **5:26:20**
